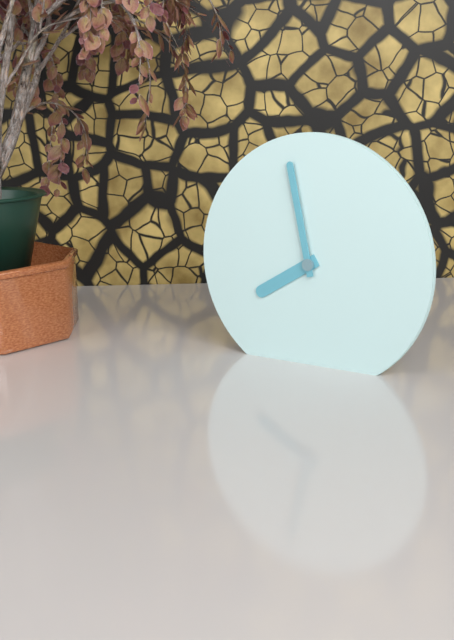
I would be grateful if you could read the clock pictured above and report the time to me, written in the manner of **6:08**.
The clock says **7:58**
